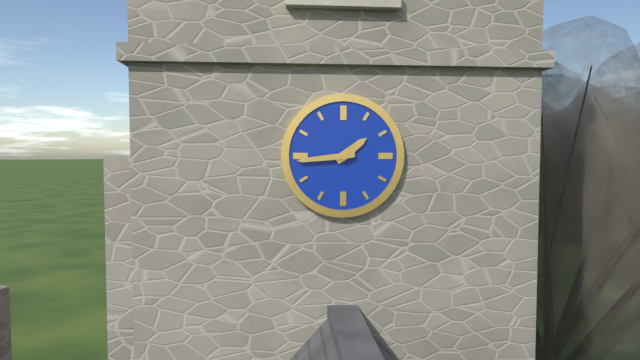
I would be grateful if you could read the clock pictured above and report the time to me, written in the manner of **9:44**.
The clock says **1:44**
